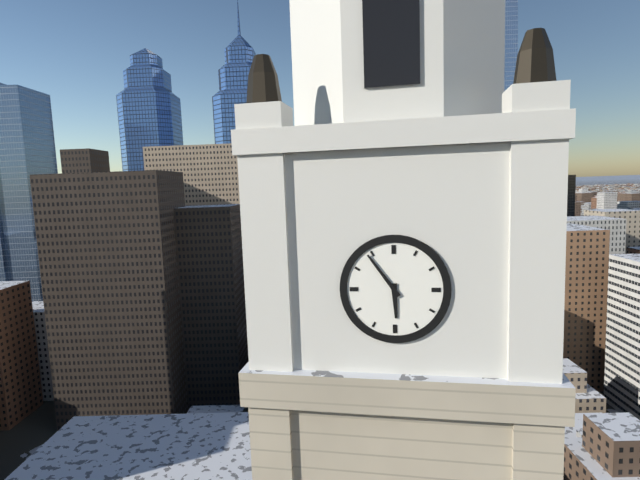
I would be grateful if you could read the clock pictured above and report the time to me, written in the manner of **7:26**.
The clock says **5:54**
